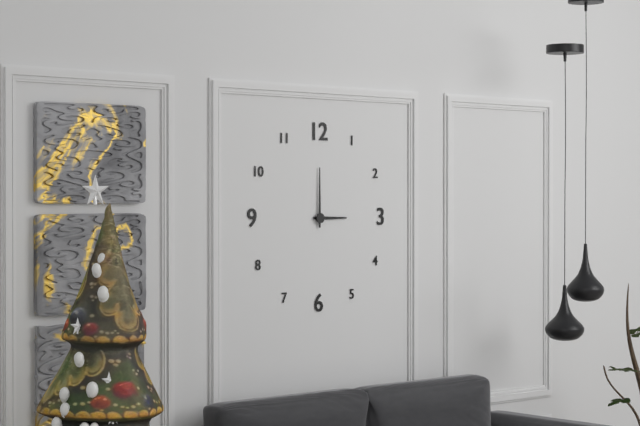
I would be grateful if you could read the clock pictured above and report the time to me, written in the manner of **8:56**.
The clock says **3:00**
